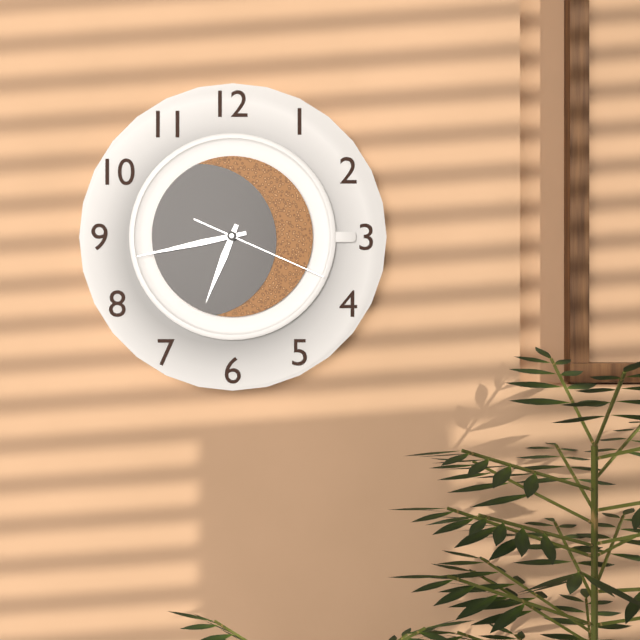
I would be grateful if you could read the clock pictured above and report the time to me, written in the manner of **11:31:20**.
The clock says **6:43:19**
